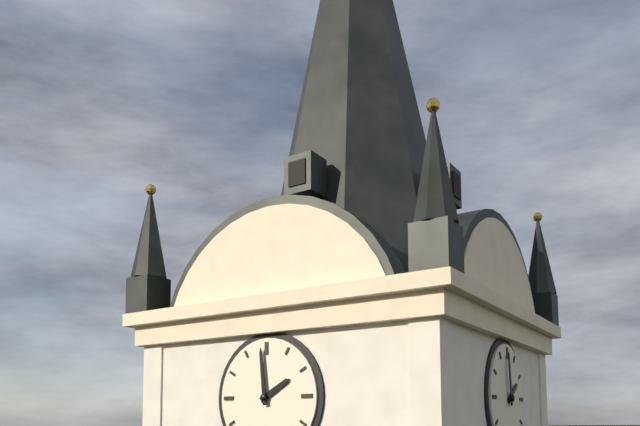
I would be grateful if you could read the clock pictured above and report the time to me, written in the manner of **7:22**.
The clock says **1:59**
